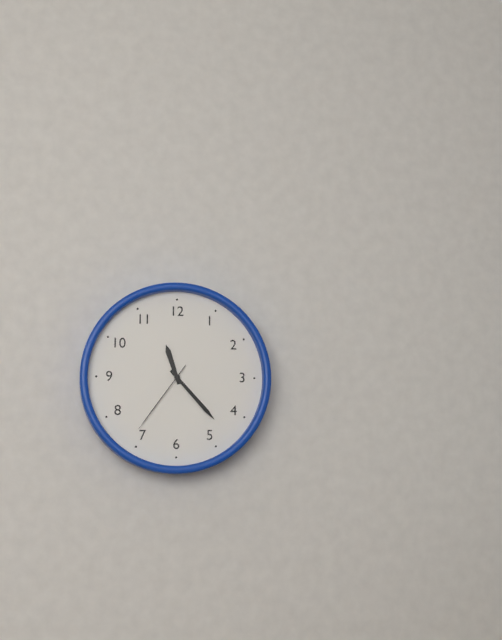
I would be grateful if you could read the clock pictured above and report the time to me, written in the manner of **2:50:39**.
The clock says **11:23:36**
